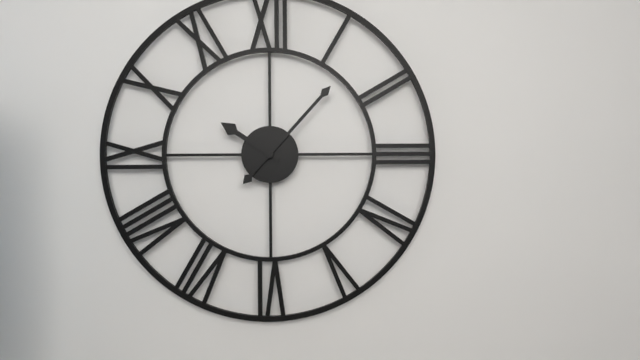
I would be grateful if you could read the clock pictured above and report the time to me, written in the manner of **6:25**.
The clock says **10:07**
